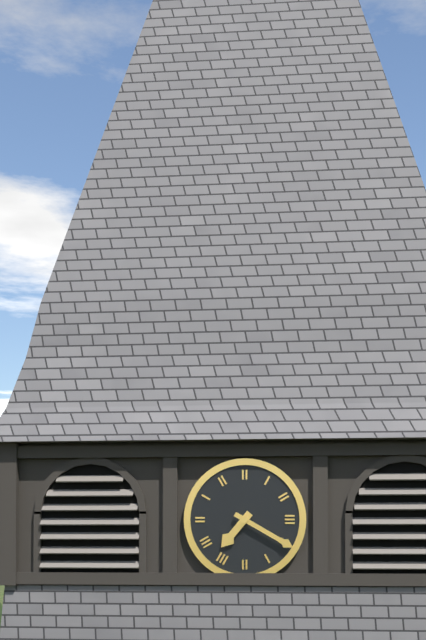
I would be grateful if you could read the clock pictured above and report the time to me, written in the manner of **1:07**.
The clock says **7:20**
